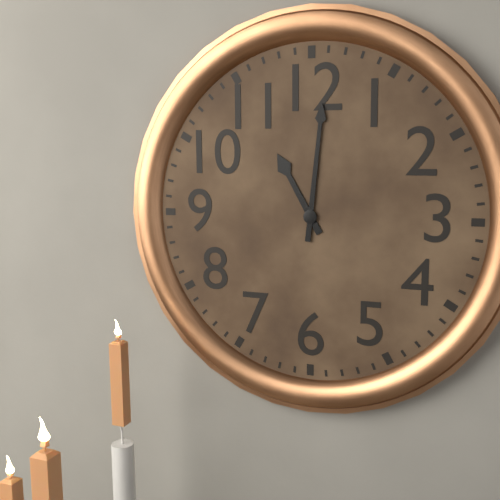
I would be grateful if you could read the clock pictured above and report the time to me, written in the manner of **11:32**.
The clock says **11:01**
